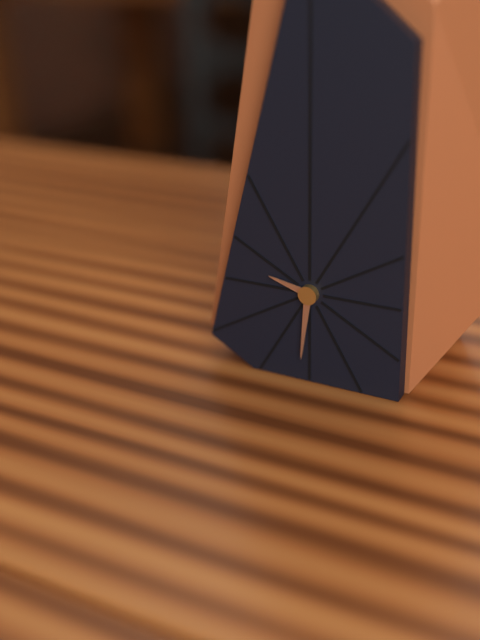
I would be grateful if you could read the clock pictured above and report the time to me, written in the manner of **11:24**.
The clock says **9:31**
